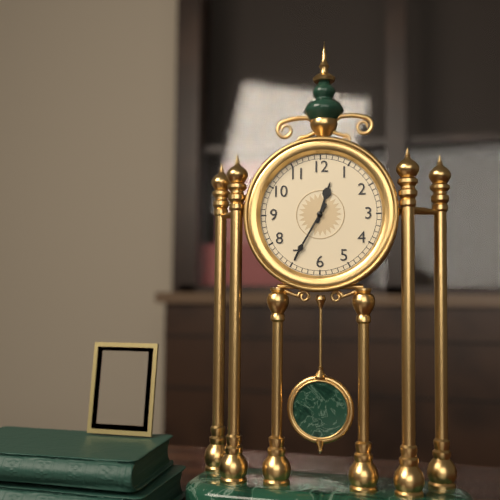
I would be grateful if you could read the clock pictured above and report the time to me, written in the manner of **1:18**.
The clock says **12:35**
